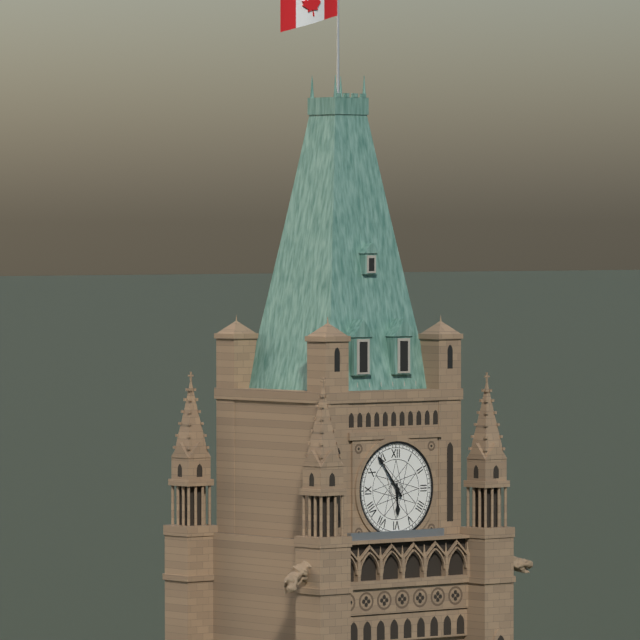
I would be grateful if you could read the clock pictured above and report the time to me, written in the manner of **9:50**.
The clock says **5:54**
